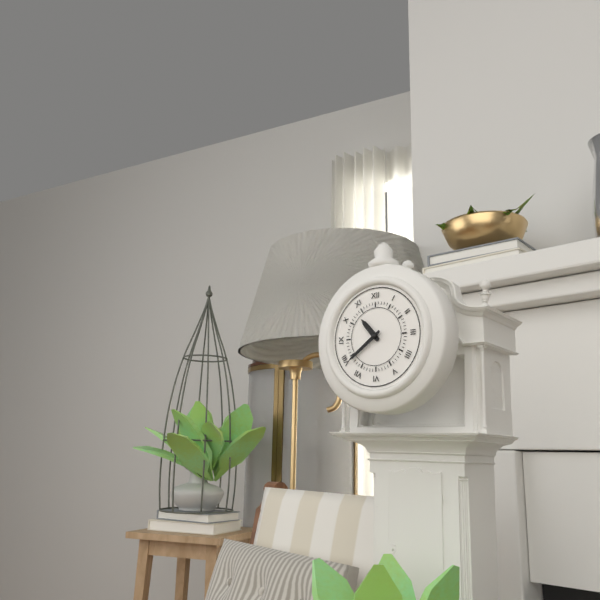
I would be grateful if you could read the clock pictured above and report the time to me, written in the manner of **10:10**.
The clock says **10:39**
